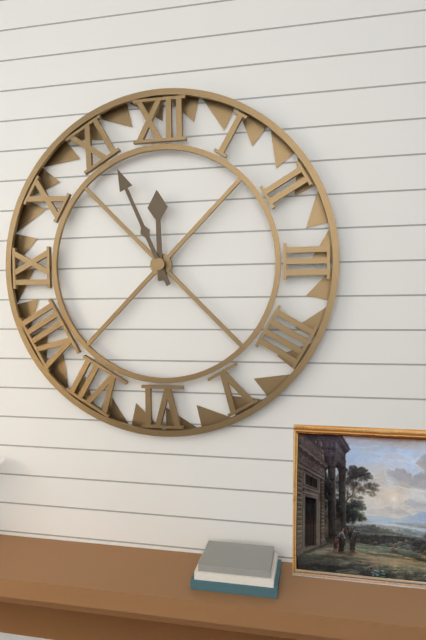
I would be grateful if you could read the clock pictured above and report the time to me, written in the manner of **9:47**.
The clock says **11:56**
